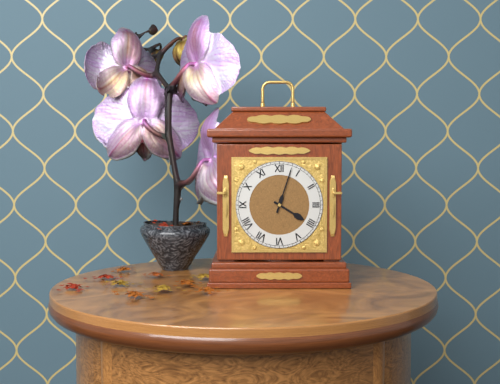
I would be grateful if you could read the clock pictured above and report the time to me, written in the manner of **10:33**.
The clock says **4:03**
